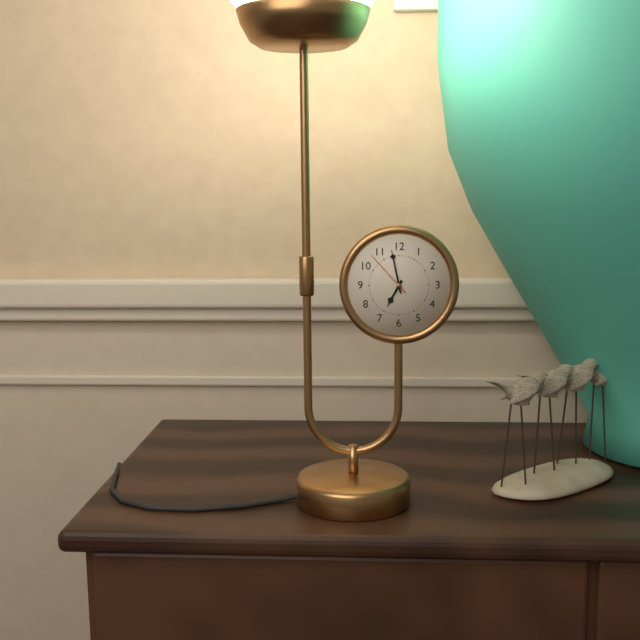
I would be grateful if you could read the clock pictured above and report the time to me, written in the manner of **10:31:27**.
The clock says **6:58:53**
